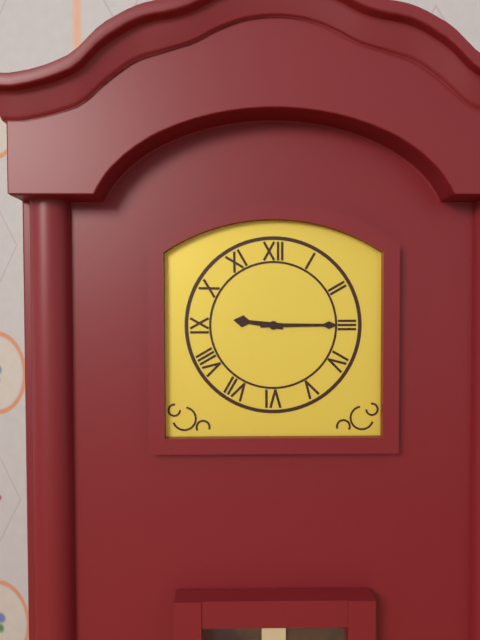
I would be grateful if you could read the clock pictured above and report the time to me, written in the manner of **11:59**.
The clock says **9:15**
